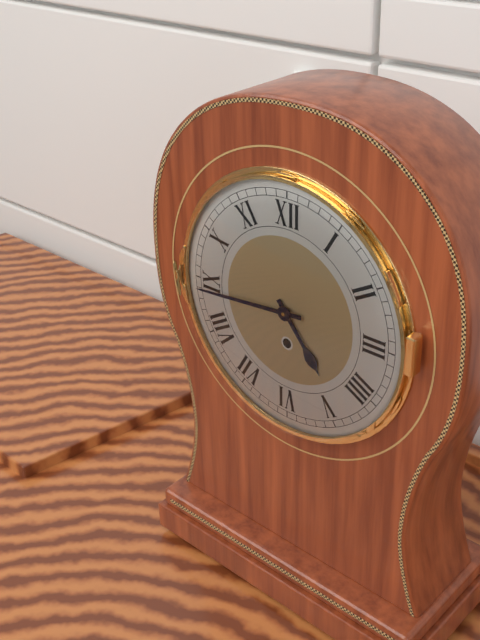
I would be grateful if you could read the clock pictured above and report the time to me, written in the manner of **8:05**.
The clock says **4:44**
